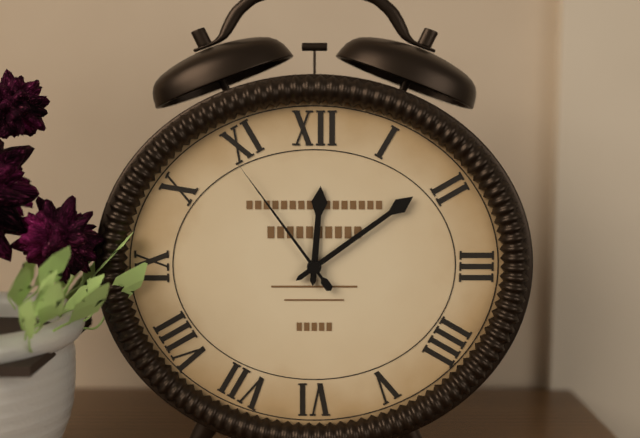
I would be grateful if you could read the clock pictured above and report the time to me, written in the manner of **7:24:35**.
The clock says **12:09:54**
